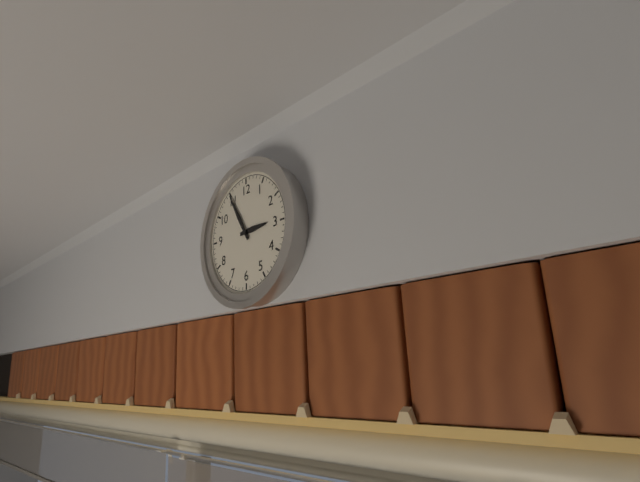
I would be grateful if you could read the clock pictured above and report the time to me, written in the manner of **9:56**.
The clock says **2:55**
